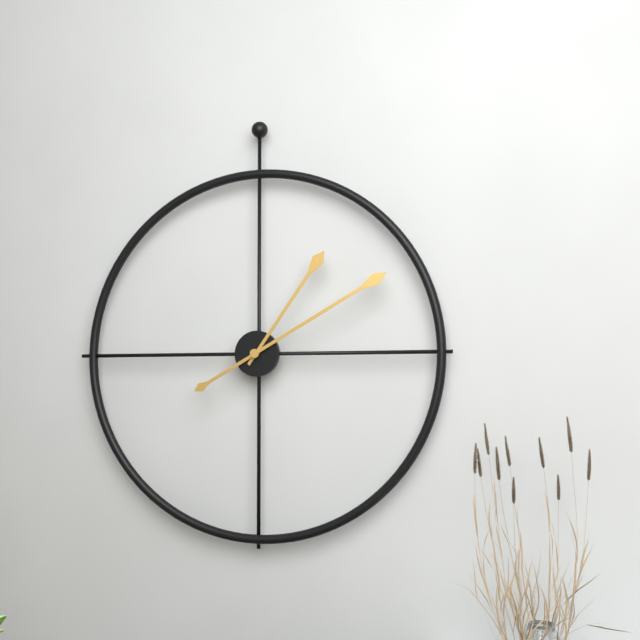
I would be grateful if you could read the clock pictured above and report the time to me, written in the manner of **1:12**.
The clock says **1:10**
